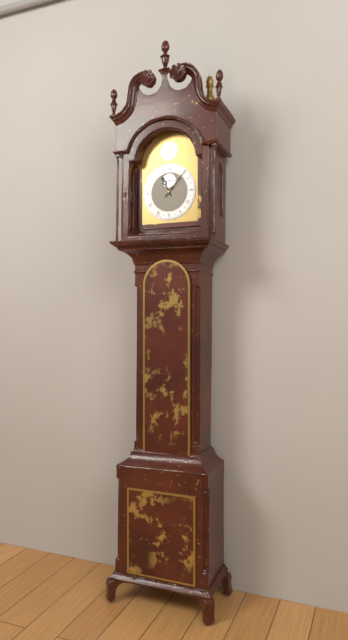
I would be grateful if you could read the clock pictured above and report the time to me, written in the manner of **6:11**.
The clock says **11:07**
